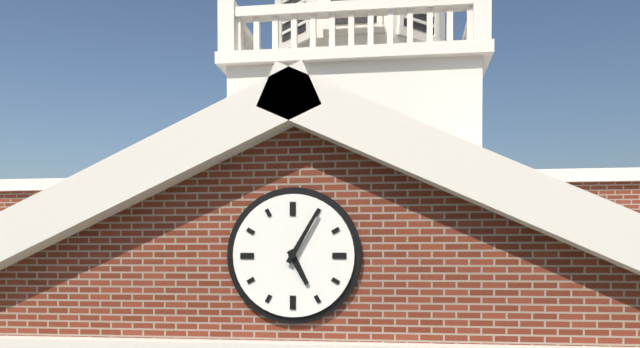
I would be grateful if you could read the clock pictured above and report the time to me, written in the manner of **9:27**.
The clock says **5:05**
